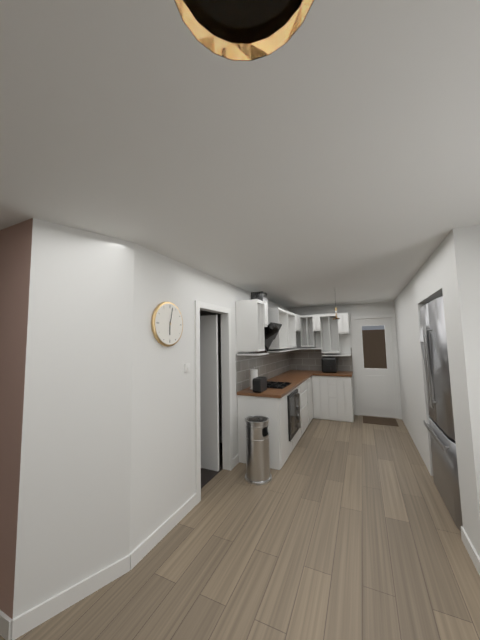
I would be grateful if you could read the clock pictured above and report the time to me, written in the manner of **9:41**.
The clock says **6:02**
